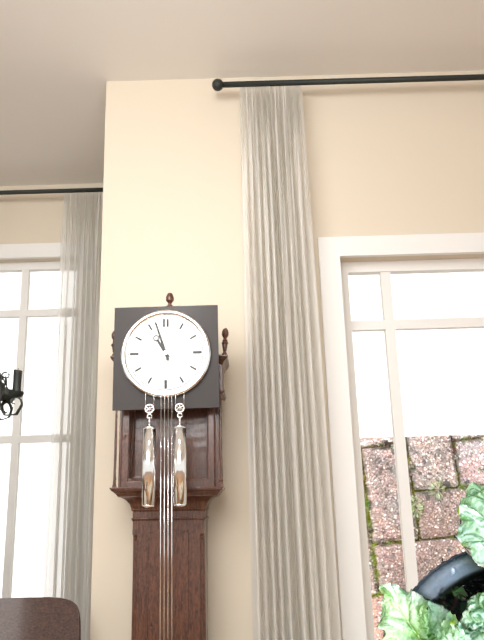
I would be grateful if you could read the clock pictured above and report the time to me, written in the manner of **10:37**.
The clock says **10:57**
